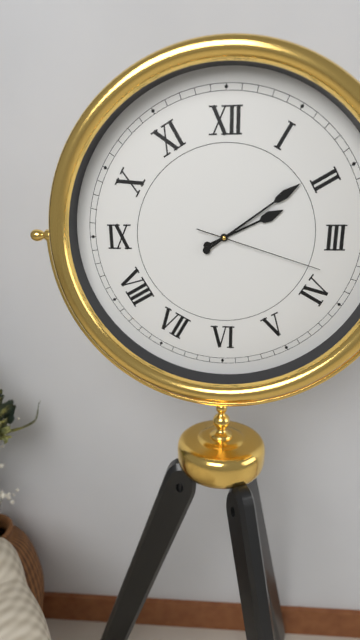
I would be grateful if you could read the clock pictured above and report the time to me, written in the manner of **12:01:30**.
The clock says **2:09:18**
